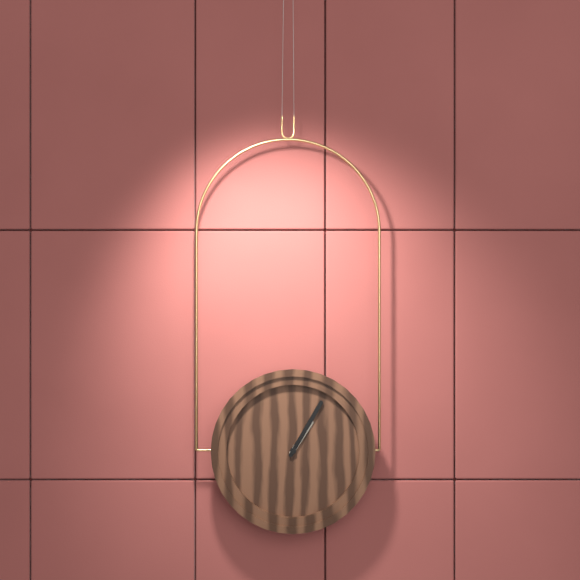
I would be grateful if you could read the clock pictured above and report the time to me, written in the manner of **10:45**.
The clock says **1:05**
